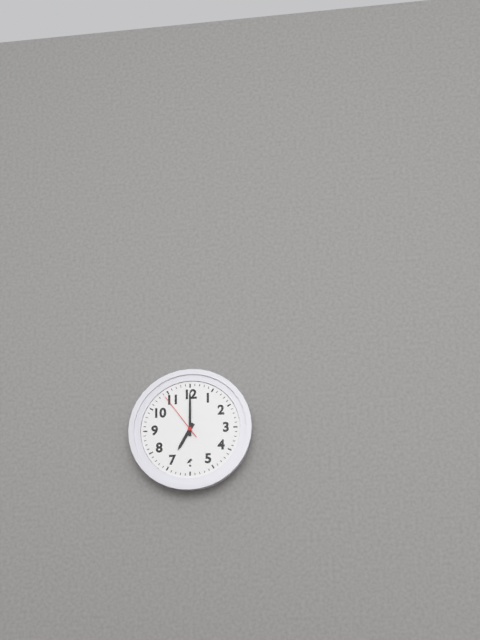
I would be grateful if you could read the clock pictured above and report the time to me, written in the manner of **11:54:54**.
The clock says **7:00:54**
